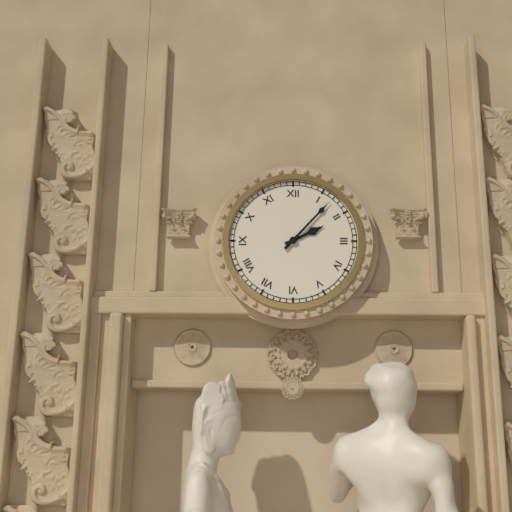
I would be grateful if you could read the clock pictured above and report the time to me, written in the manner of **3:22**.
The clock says **2:07**
